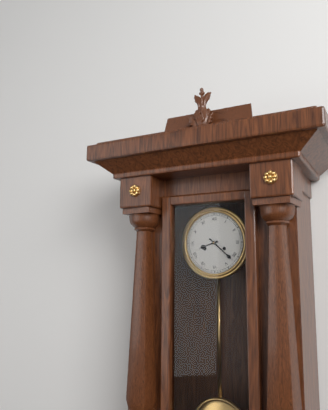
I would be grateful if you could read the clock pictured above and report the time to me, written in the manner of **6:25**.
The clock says **8:22**
